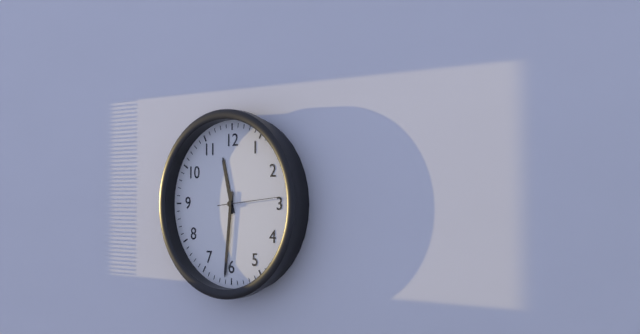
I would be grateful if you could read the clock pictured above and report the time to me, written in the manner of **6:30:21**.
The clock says **11:31:14**
